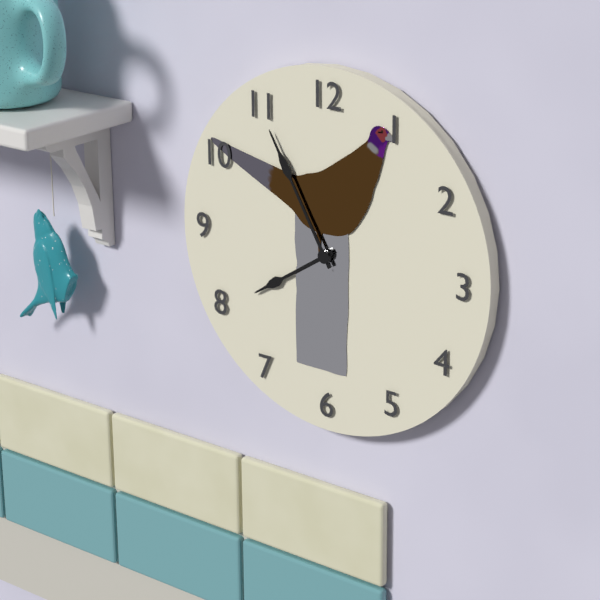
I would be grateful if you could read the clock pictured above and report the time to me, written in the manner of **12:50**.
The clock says **7:55**
